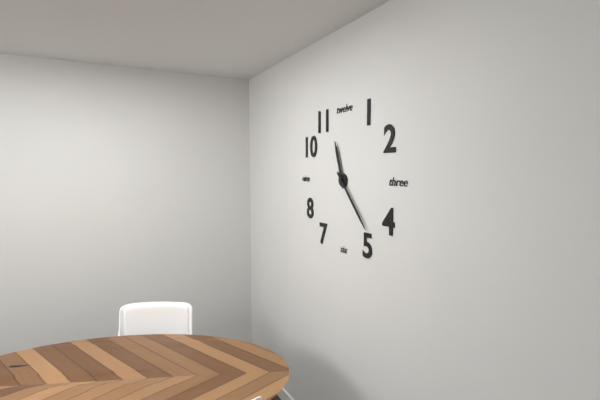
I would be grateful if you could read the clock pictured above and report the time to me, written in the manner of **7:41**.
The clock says **11:23**
